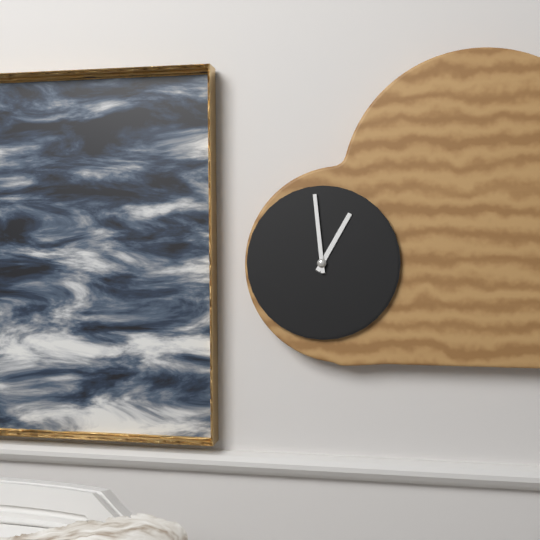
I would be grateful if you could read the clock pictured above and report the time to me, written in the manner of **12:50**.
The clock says **12:59**
